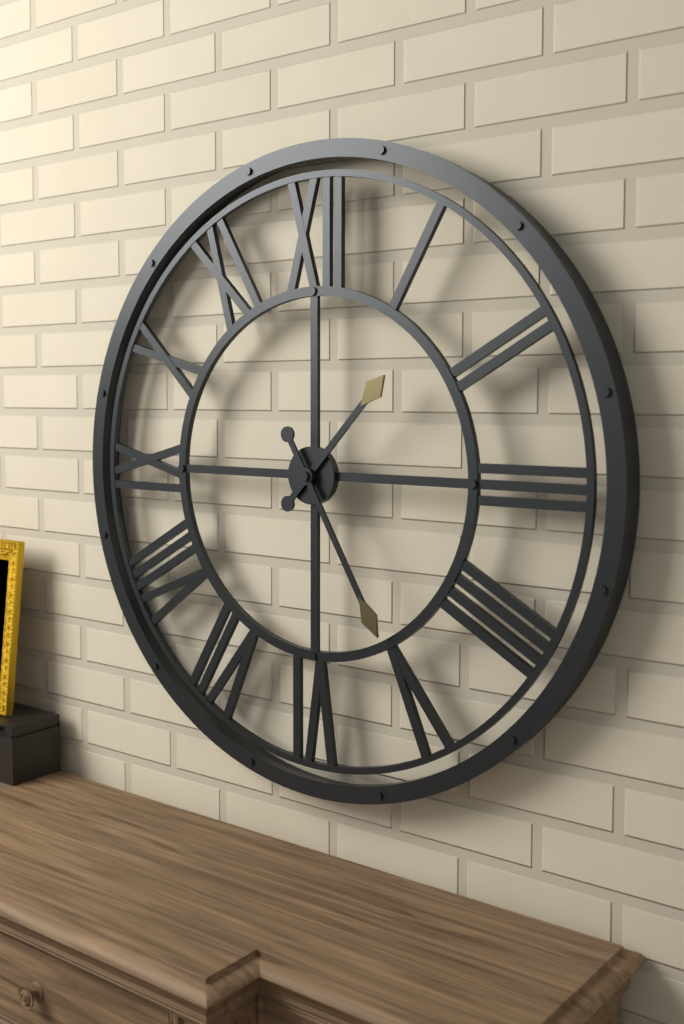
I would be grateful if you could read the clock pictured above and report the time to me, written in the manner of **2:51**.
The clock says **1:25**
